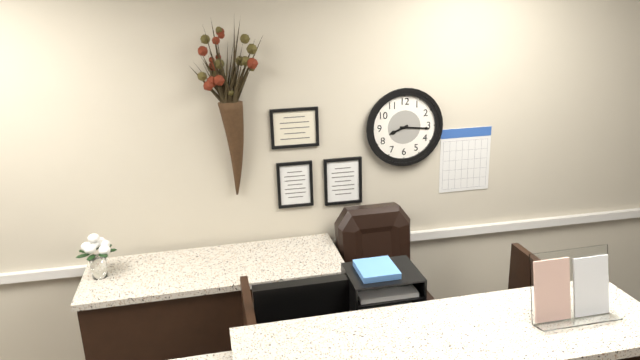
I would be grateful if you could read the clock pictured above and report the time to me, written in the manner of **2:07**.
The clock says **8:16**
